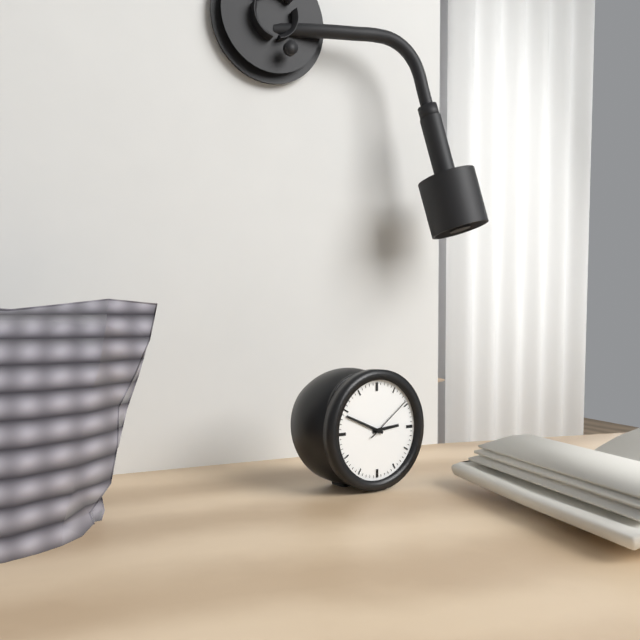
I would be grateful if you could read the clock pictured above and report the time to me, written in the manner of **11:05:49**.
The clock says **2:49:09**
